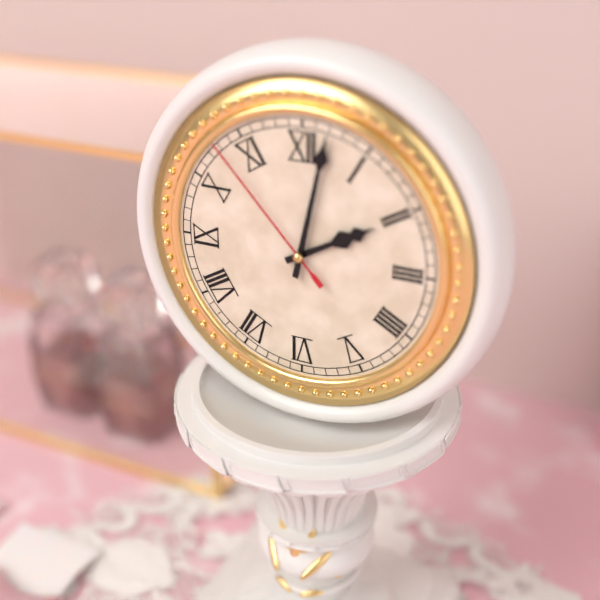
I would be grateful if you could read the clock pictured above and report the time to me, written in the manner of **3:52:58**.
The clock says **2:02:53**
